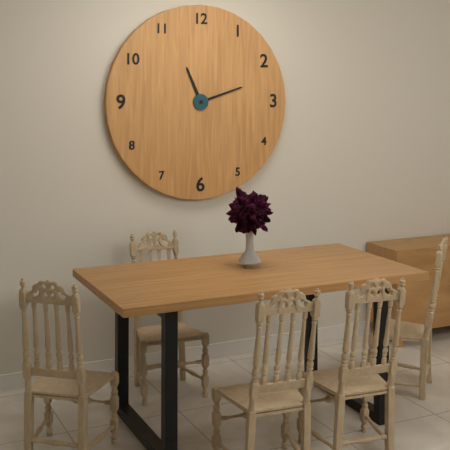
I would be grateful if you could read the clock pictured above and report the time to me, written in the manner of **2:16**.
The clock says **11:12**
